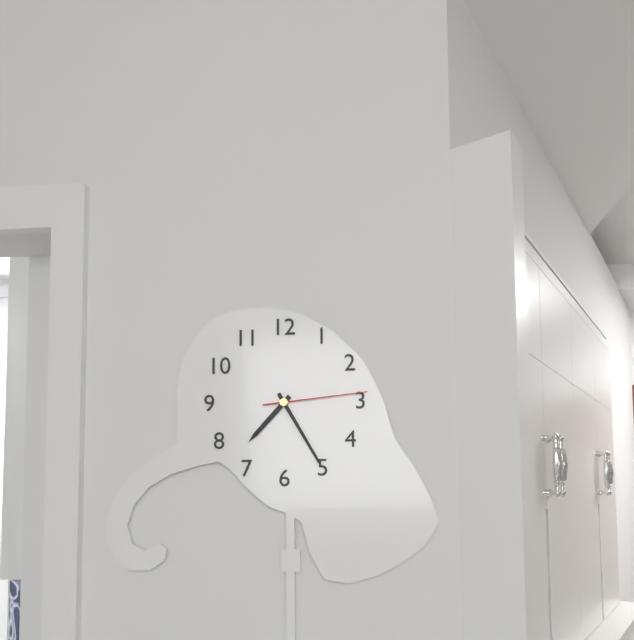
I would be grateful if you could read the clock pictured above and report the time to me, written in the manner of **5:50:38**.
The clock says **7:25:14**
